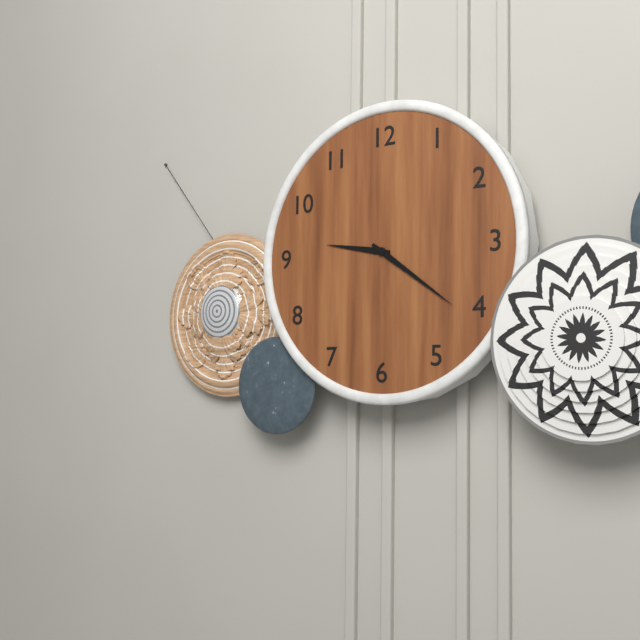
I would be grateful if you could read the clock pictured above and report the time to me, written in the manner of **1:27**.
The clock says **9:21**
